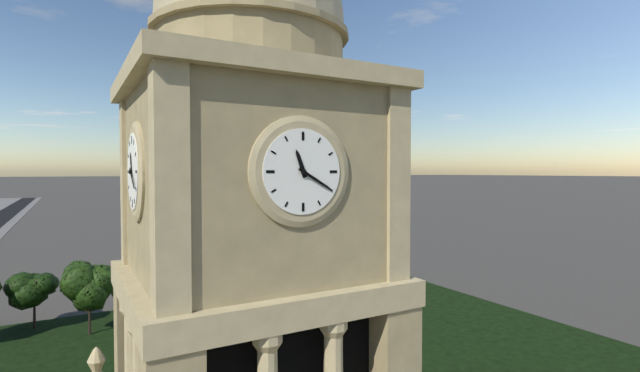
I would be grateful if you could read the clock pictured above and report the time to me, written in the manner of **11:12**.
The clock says **11:20**
